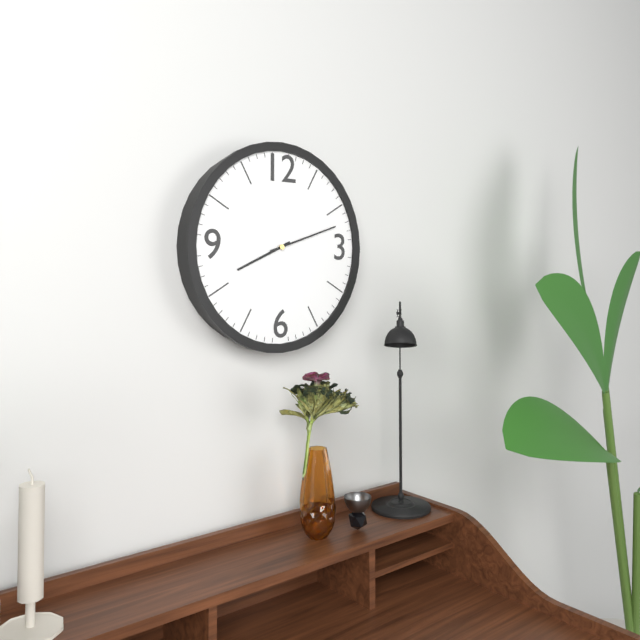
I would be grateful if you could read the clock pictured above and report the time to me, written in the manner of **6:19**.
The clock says **8:12**
